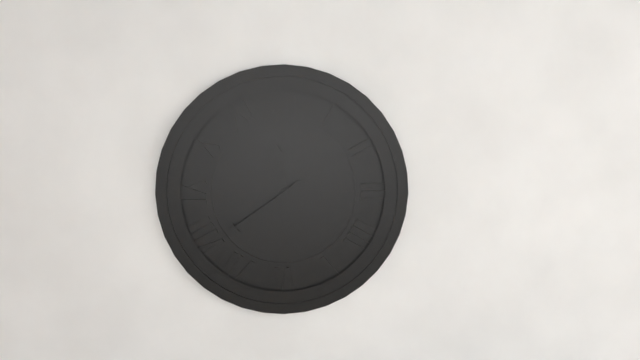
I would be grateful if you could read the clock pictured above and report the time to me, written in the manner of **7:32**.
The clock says **11:39**
